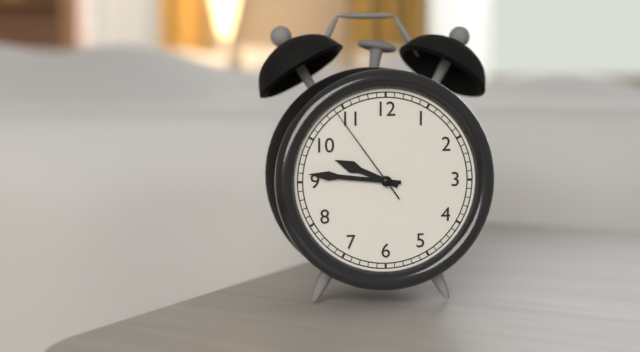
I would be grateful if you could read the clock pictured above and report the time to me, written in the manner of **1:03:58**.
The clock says **9:46:54**
